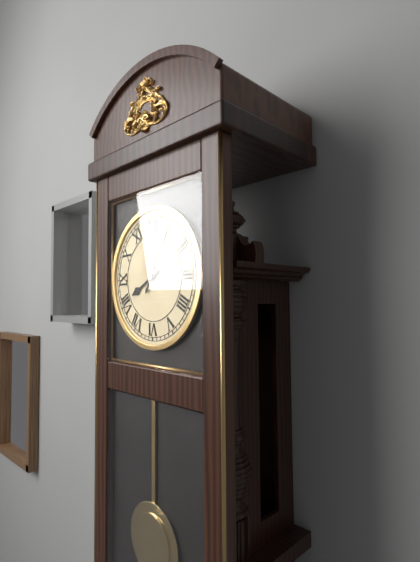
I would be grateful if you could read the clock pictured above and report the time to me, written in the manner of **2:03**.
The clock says **8:05**
